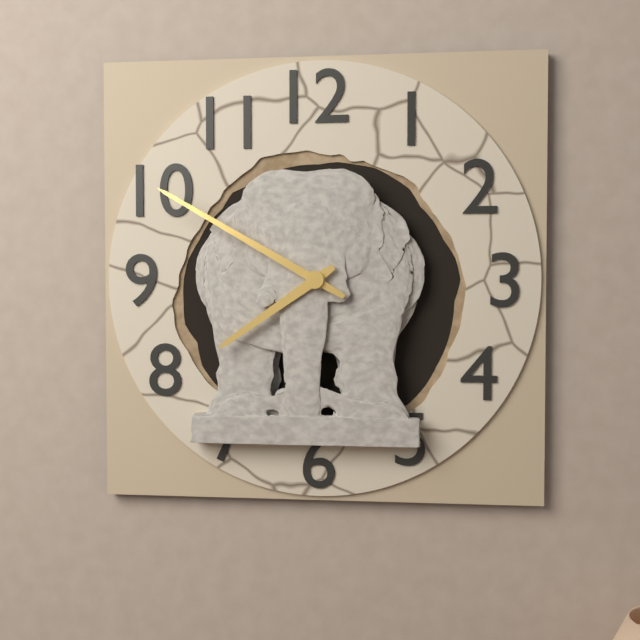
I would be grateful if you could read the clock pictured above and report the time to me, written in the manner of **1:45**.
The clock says **7:50**
